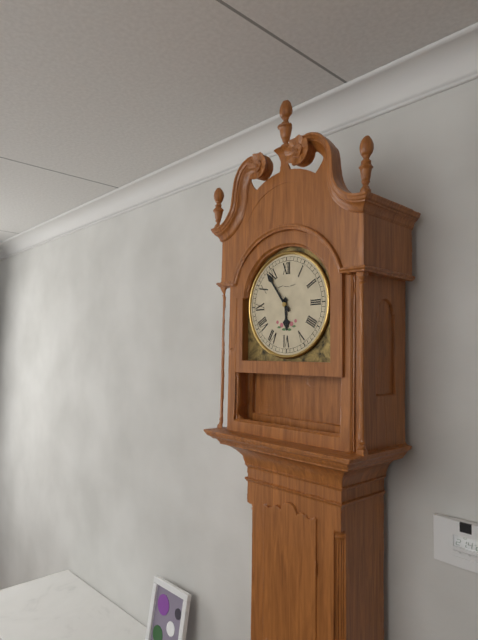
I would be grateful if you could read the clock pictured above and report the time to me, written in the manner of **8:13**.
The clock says **5:54**
